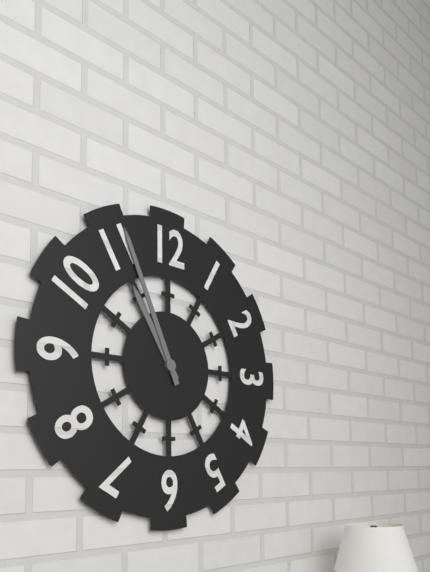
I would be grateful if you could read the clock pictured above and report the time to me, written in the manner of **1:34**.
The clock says **10:56**
